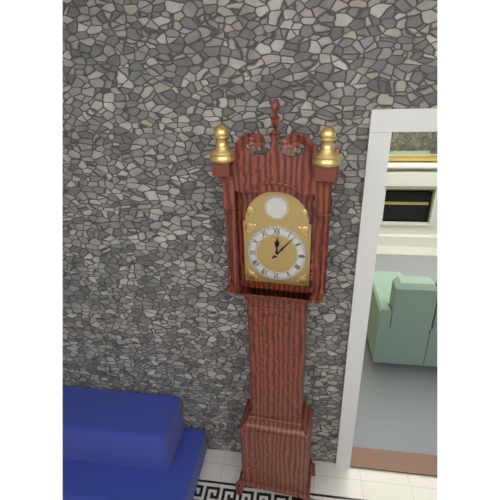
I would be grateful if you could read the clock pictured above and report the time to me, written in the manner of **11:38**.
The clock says **12:07**
